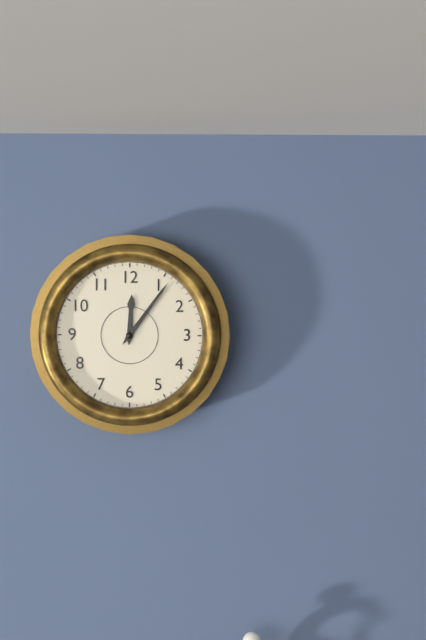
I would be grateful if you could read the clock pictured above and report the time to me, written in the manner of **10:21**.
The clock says **12:06**
